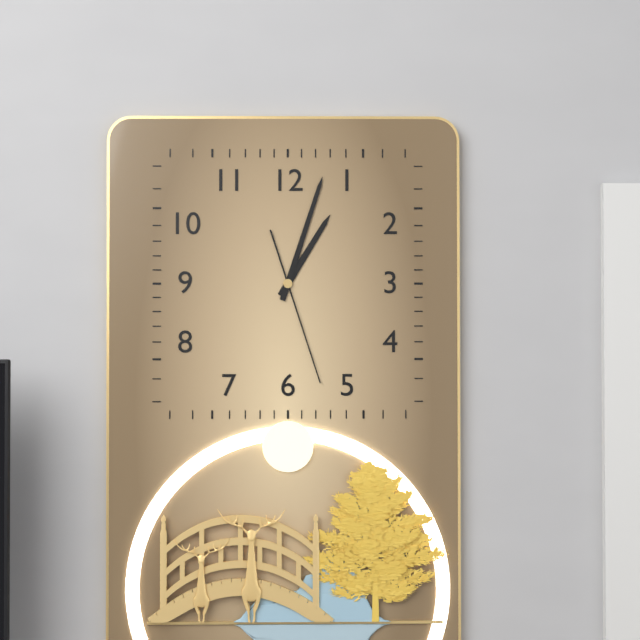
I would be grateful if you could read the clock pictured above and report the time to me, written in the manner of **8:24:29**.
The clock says **1:03:27**
